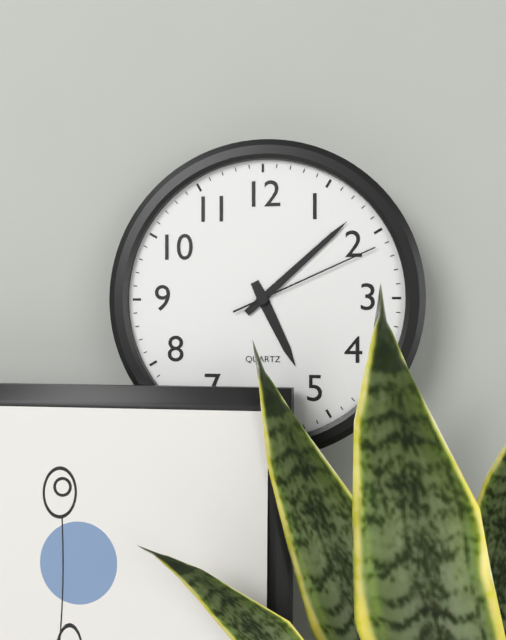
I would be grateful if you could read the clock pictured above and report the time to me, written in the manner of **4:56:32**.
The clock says **5:08:11**
